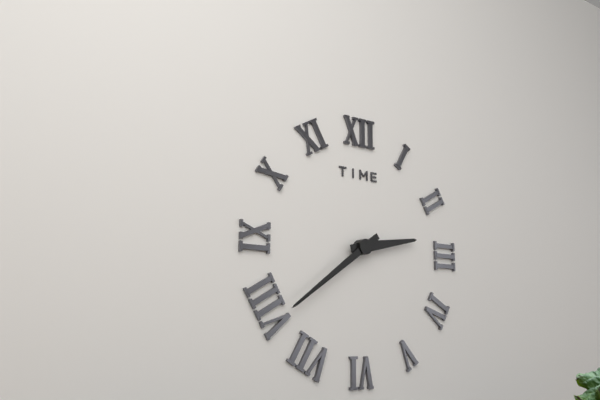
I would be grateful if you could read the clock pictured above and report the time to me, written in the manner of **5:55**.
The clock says **2:39**
